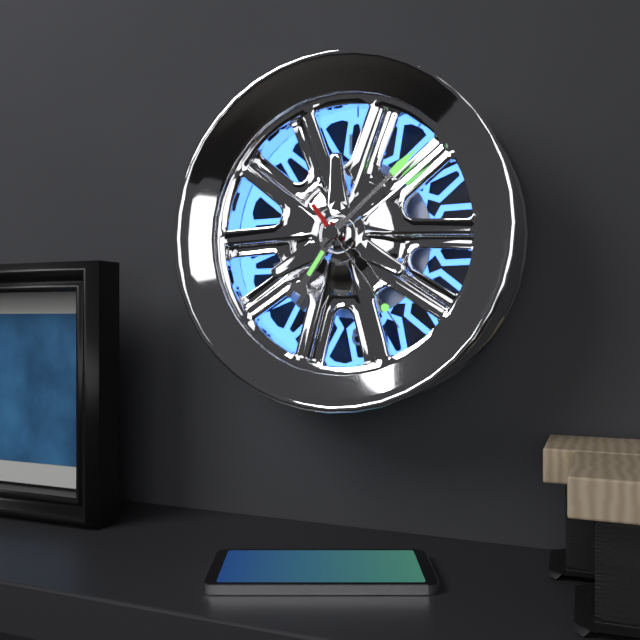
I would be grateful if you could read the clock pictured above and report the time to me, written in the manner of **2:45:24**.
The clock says **7:08:24**
